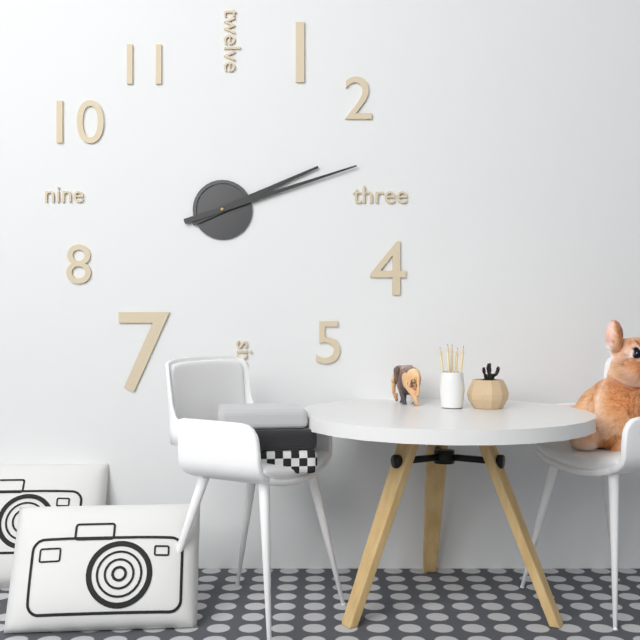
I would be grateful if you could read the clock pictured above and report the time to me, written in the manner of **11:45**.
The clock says **2:12**
